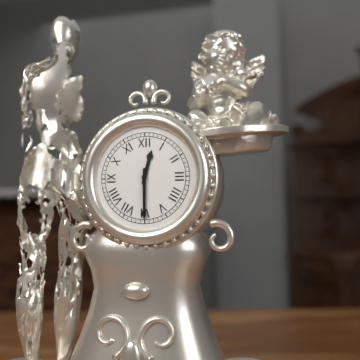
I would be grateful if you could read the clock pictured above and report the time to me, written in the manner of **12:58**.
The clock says **12:30**
